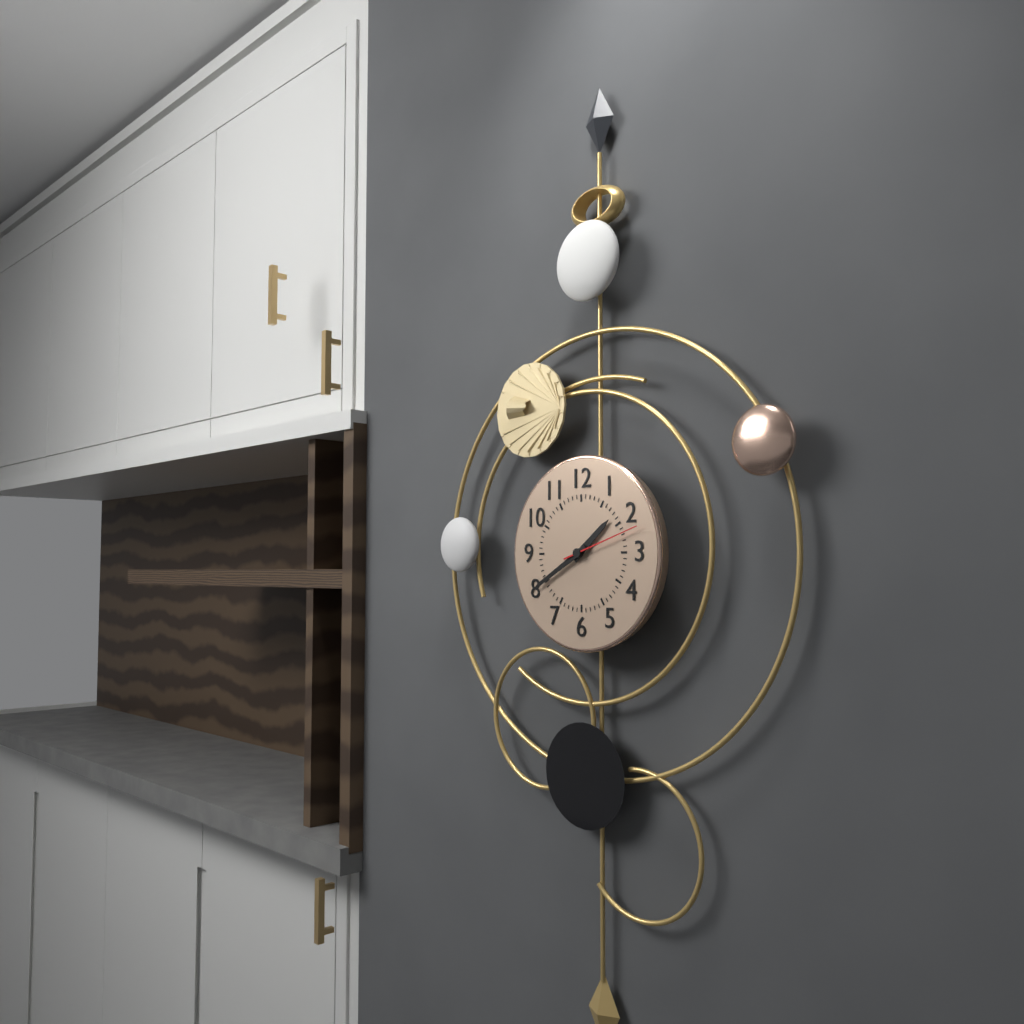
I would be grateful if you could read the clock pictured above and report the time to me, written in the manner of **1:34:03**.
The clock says **1:40:12**
